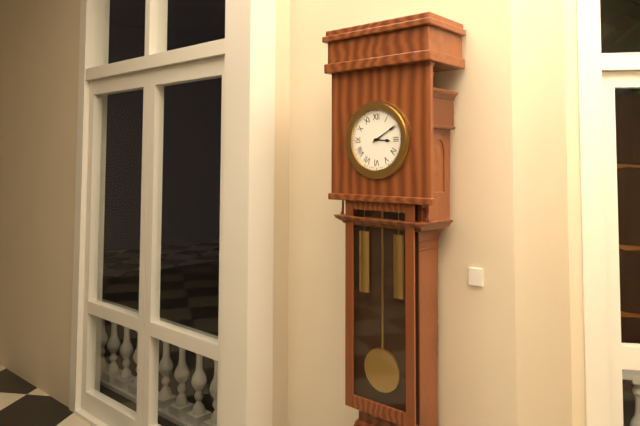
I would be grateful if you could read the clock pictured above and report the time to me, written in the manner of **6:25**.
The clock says **3:10**
